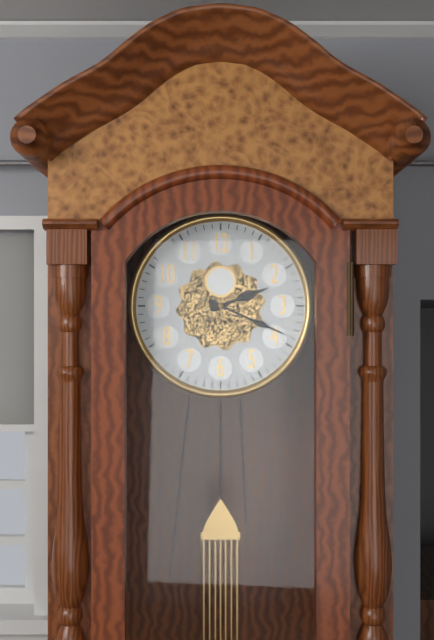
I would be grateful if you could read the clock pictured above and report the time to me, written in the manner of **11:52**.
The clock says **2:19**
